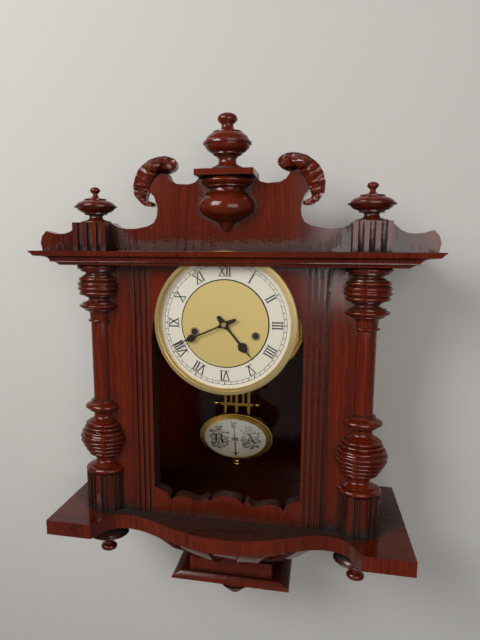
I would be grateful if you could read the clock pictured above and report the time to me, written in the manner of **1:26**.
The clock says **4:41**
